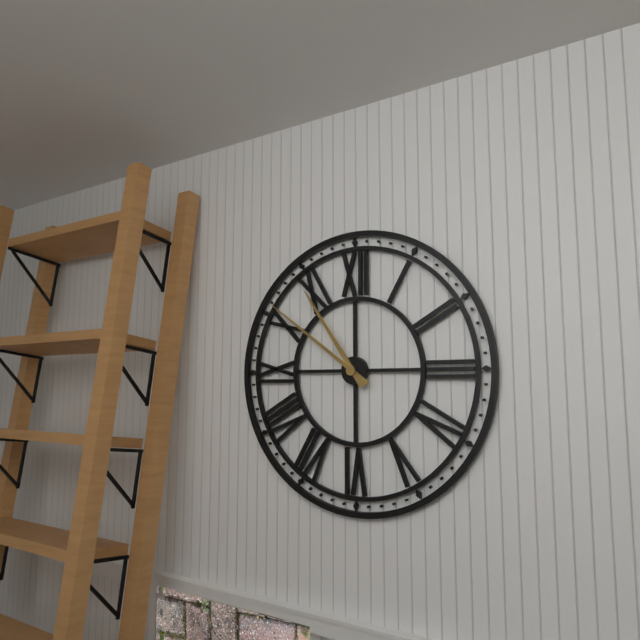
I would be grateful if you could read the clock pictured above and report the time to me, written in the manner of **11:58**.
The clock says **10:51**
